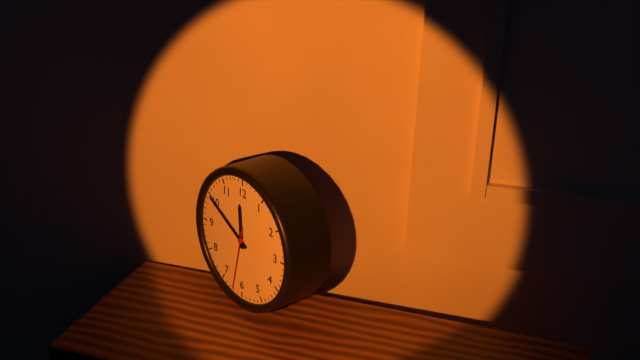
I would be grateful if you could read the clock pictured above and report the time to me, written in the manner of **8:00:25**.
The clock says **11:50:32**
